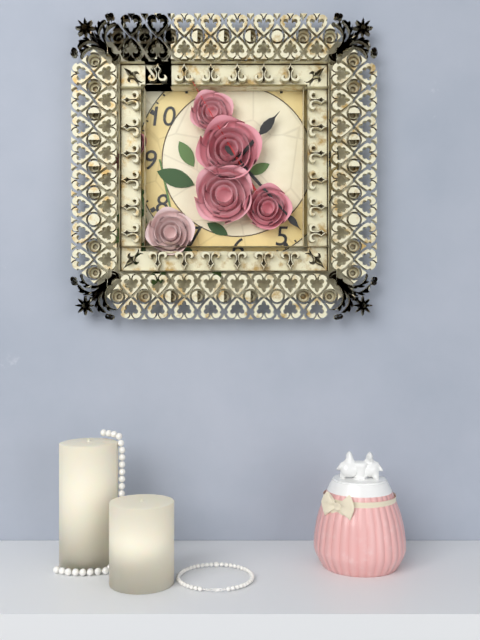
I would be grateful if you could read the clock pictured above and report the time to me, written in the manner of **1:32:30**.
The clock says **1:23:55**
